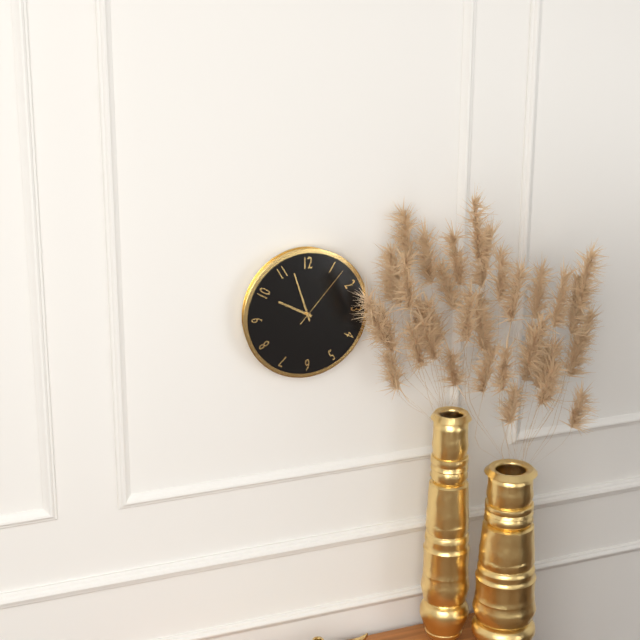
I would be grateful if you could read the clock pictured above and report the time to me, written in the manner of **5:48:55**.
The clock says **9:57:07**
